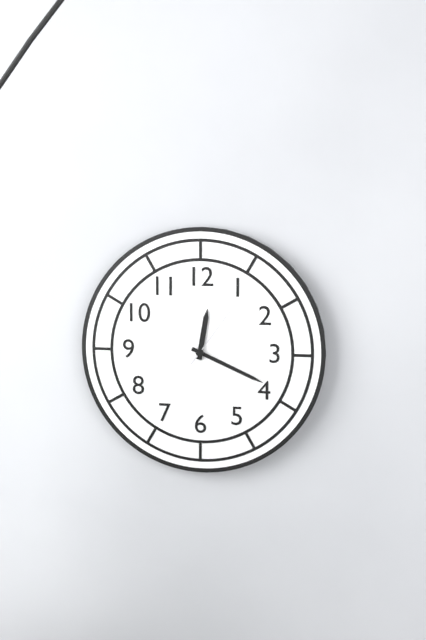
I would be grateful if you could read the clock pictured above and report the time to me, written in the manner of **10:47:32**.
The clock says **12:19:06**
